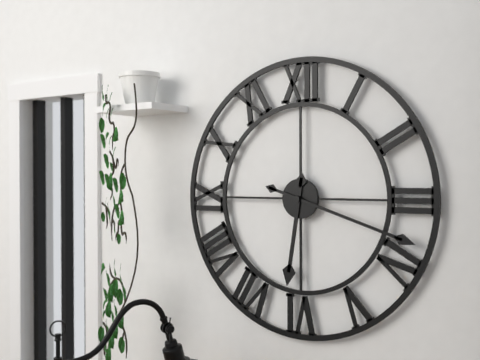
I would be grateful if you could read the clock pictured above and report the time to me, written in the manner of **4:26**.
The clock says **6:18**
